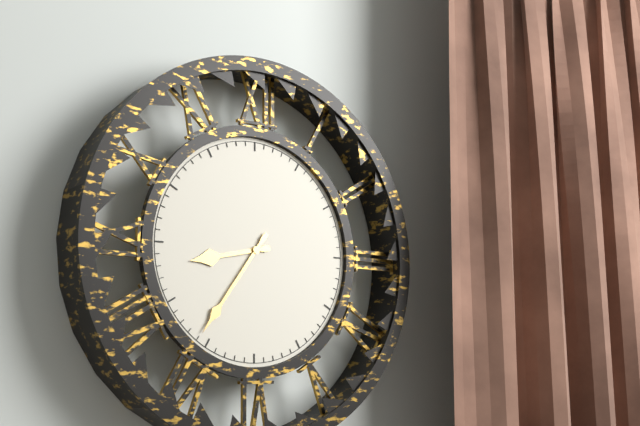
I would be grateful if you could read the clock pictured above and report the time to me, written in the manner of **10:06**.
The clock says **8:36**
